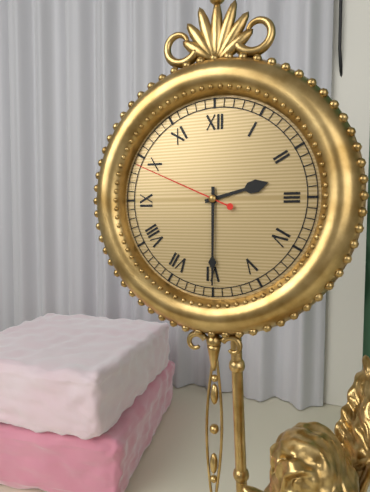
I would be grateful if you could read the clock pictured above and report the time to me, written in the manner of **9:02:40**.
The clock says **2:30:49**
